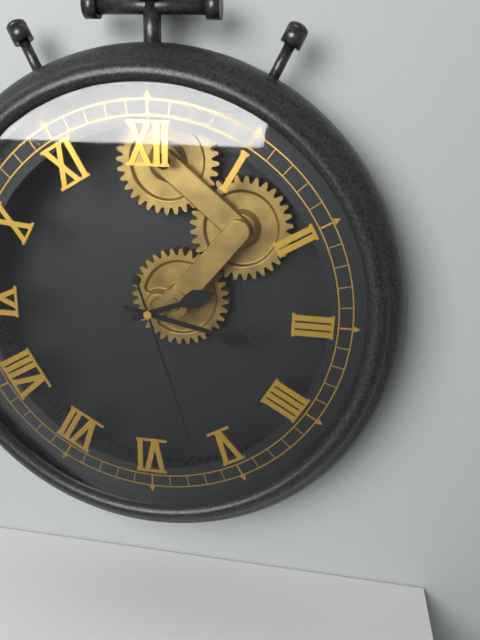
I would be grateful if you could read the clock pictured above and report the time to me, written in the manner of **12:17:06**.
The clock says **2:17:27**
